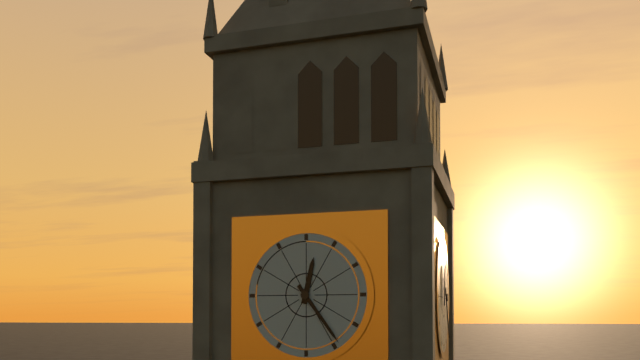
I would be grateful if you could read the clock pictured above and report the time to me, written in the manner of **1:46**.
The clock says **12:24**
